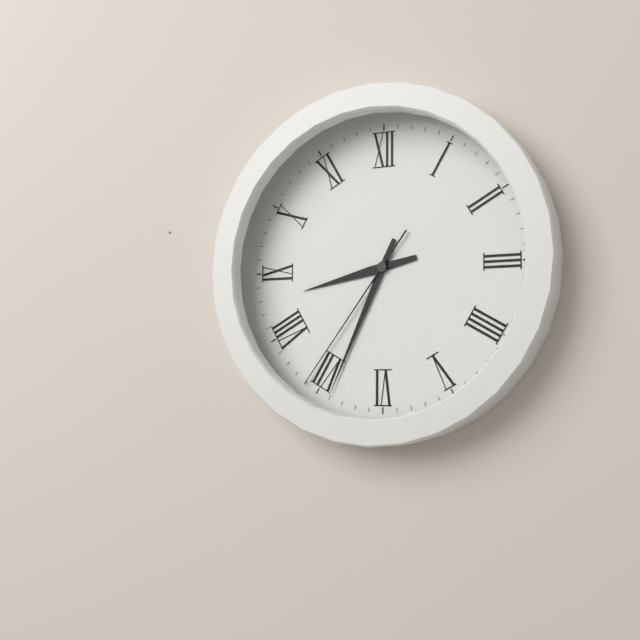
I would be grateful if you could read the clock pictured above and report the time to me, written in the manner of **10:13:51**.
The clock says **8:34:36**
